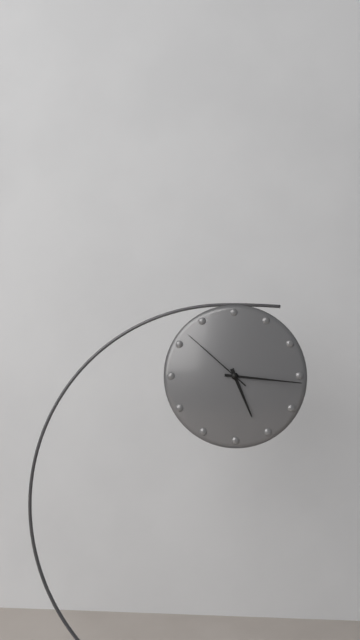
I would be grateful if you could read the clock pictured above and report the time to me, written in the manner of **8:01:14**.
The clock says **5:16:52**
